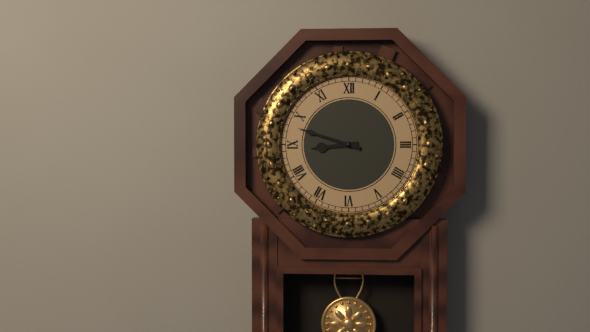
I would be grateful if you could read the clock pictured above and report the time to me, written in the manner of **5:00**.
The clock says **8:48**
